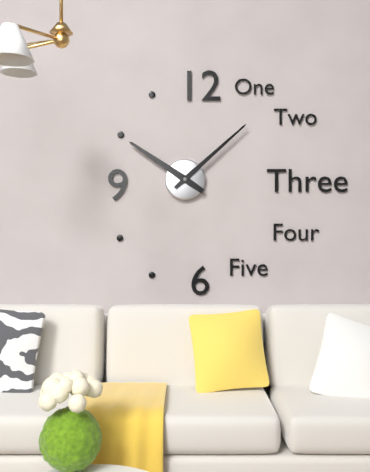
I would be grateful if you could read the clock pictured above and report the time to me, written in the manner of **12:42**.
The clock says **10:08**
